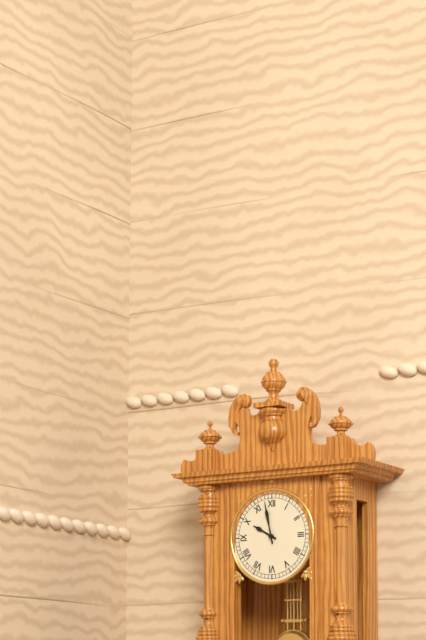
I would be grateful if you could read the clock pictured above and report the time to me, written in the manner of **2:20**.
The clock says **9:58**
